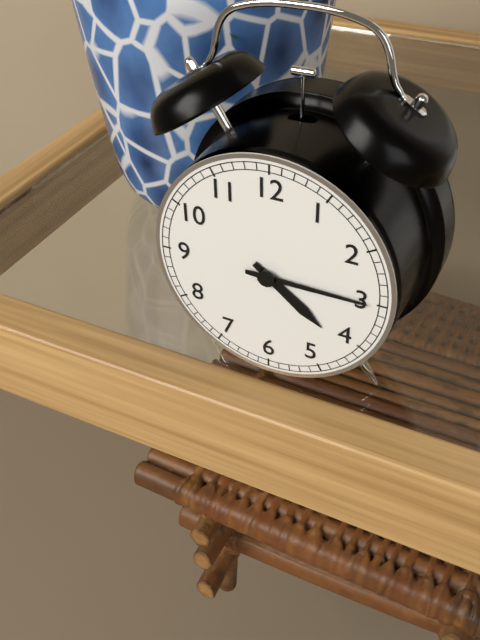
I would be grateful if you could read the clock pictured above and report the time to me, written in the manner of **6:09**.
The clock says **4:15**
